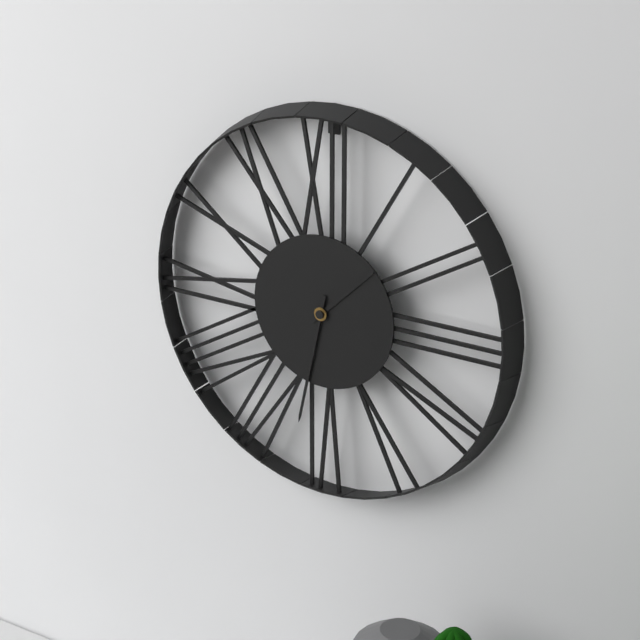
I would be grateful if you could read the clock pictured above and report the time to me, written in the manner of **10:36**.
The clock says **1:32**
